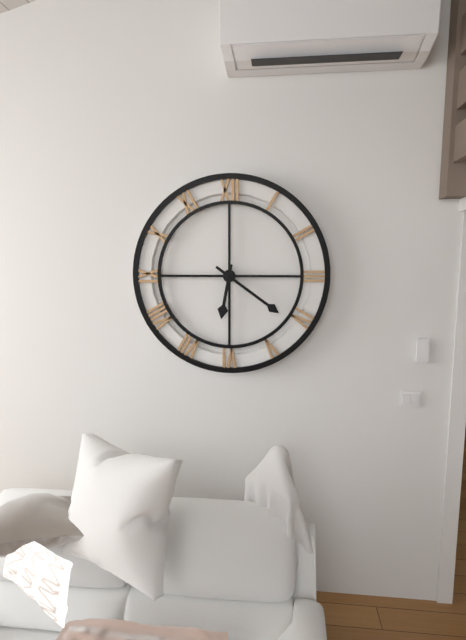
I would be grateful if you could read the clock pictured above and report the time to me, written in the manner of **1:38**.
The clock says **6:21**
